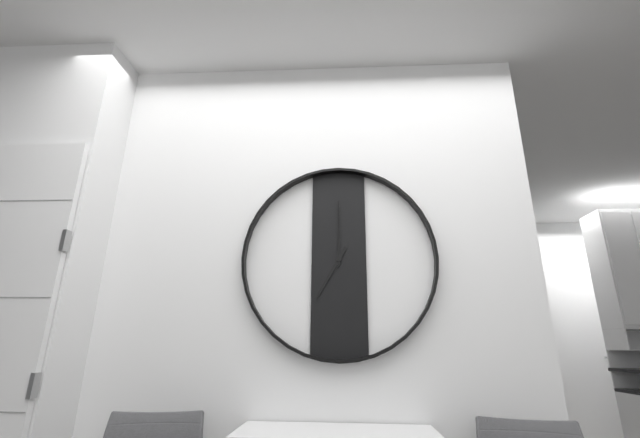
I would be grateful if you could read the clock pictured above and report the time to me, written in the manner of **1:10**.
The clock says **7:00**
